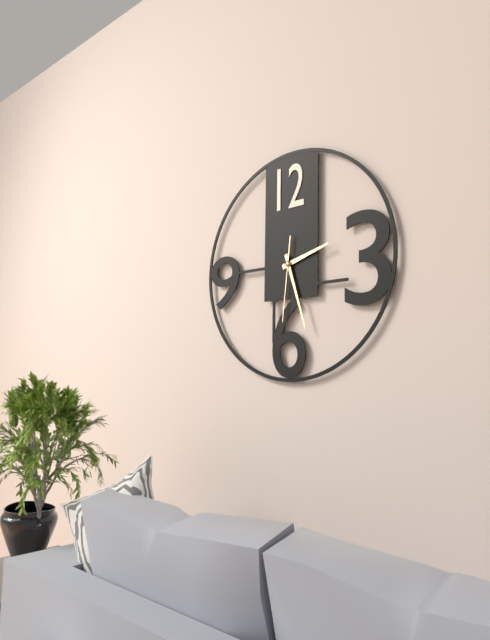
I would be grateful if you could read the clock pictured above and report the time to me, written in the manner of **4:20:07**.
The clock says **2:27:31**
